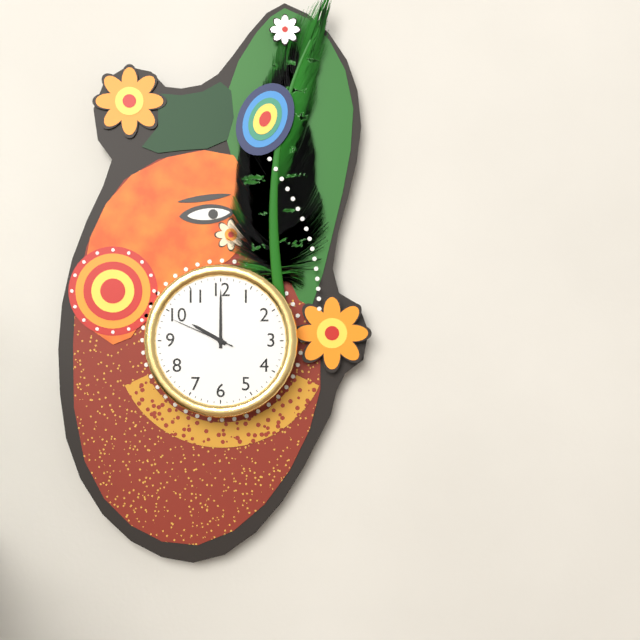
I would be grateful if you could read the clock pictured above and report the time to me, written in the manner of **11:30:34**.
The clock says **10:00:49**
